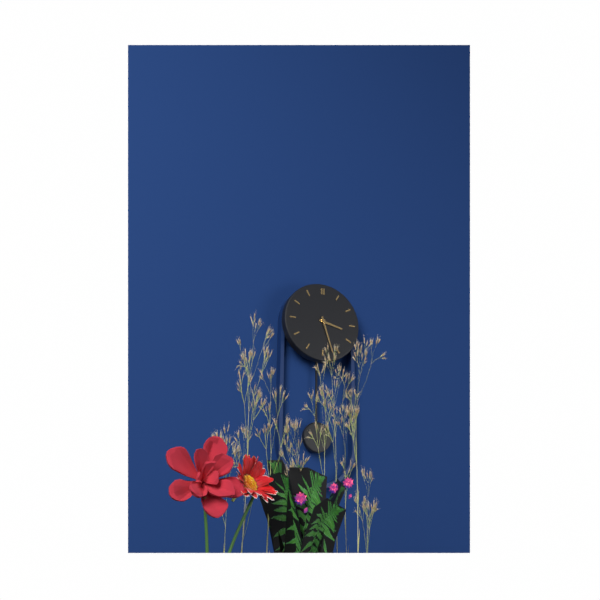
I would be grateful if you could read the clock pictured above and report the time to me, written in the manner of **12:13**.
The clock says **3:27**
